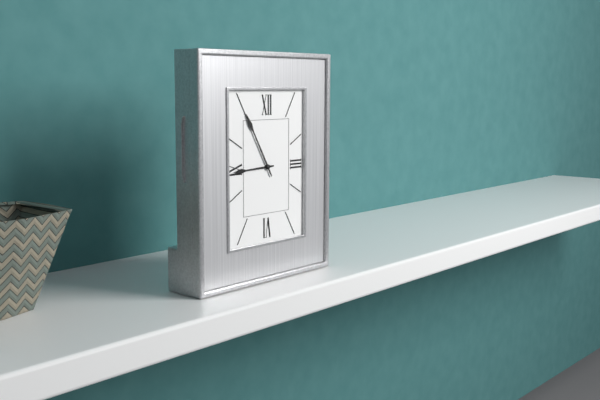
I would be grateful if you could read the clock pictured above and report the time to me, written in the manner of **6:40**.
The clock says **8:55**
